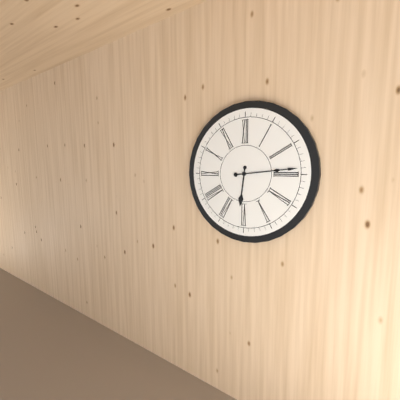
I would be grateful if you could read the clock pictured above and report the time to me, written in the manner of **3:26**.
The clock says **6:14**
